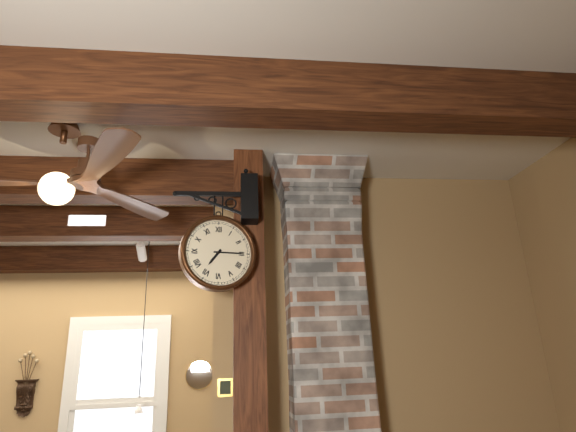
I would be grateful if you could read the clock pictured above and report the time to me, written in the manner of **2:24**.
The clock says **7:15**
